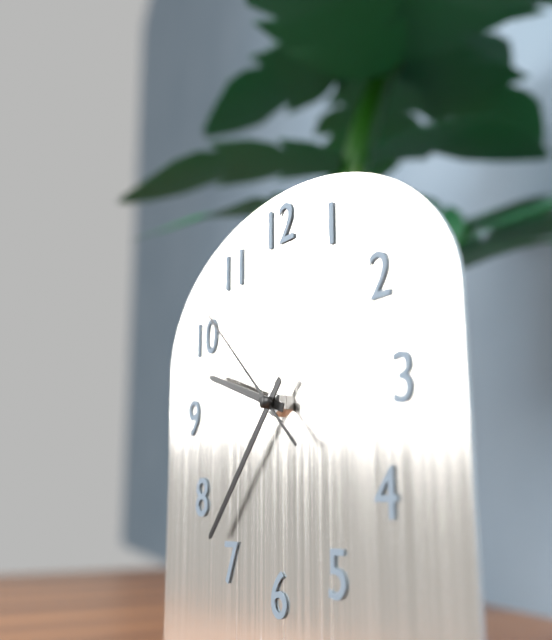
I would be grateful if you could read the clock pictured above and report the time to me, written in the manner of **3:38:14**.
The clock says **9:37:52**
